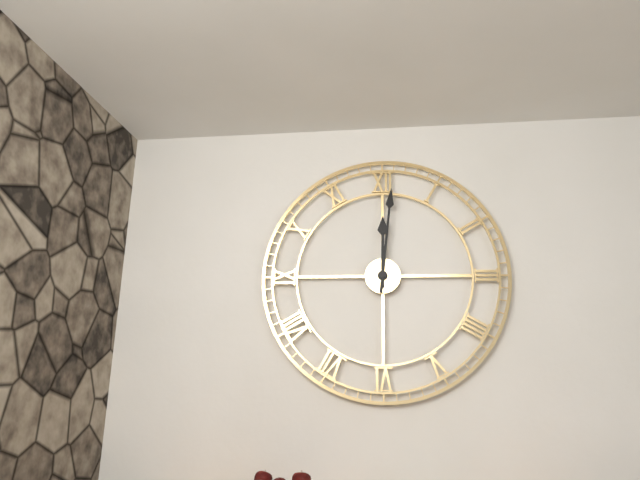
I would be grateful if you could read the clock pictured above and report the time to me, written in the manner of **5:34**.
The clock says **12:01**
